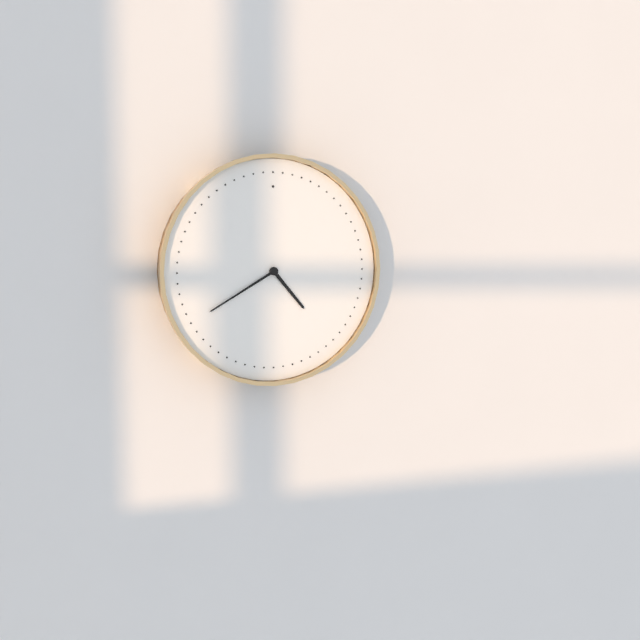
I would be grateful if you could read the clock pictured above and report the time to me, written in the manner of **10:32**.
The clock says **4:40**
